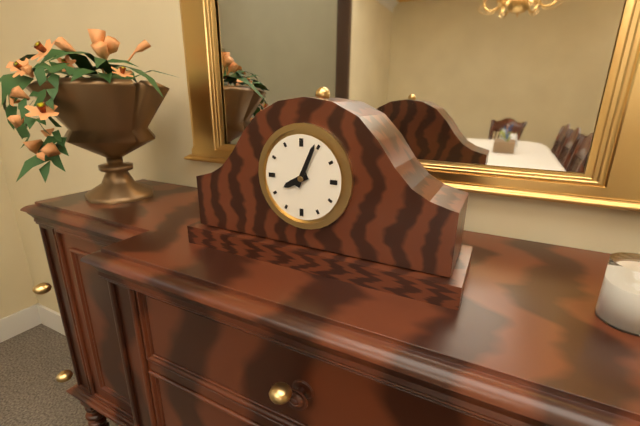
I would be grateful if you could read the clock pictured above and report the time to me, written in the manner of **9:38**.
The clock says **8:04**
